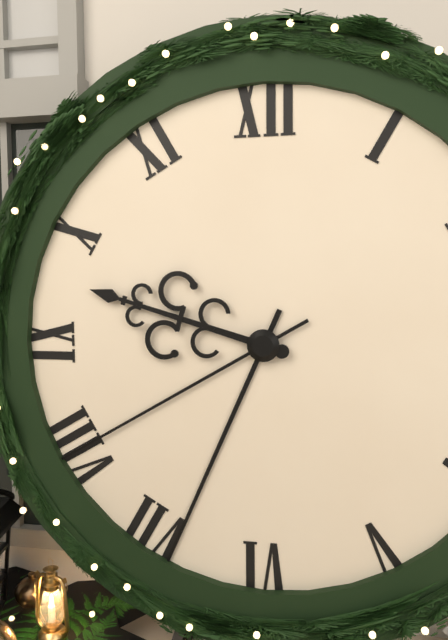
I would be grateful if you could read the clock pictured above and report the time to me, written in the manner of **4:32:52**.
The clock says **9:34:40**
